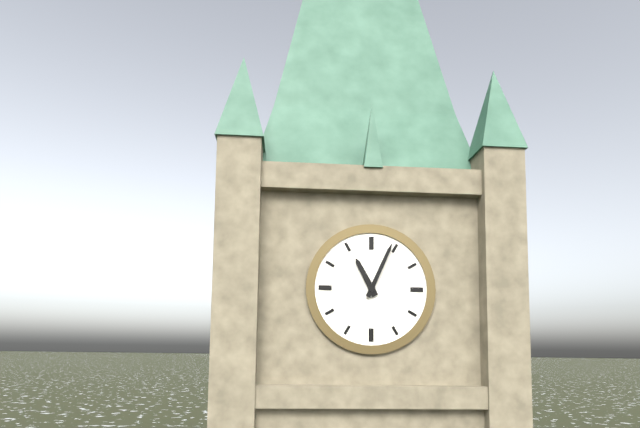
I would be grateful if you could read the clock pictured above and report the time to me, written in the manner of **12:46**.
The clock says **11:04**
